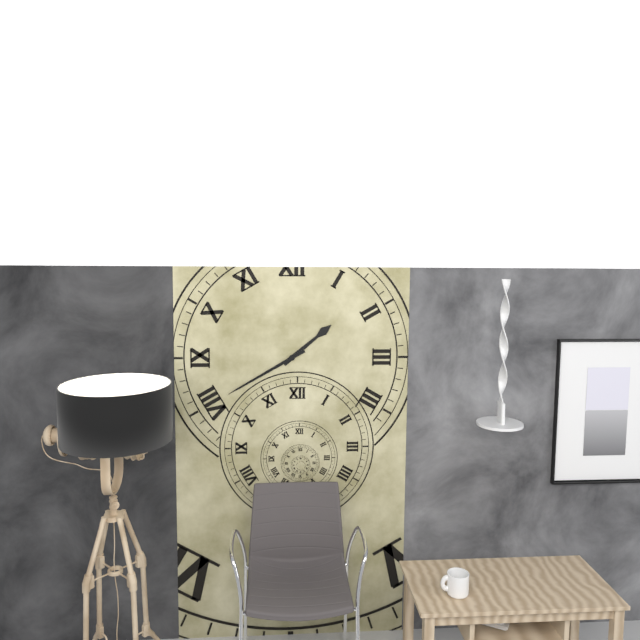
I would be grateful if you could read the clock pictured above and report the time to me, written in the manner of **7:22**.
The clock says **1:40**
